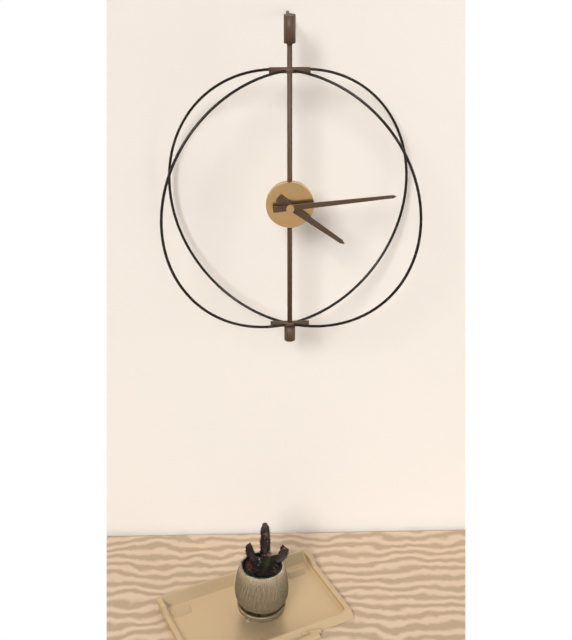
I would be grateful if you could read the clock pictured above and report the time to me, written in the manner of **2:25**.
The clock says **4:14**
